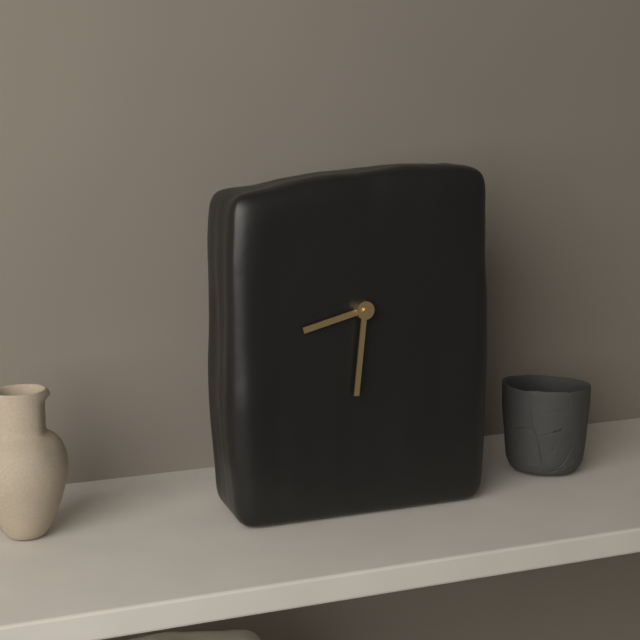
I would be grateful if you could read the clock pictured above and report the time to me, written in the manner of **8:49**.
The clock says **8:31**
